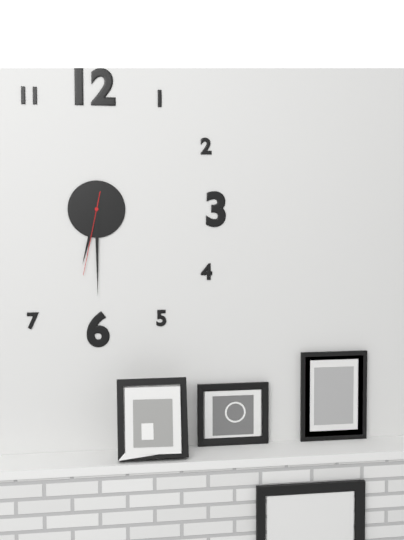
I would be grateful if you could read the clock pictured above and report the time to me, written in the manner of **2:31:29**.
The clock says **6:30:32**
